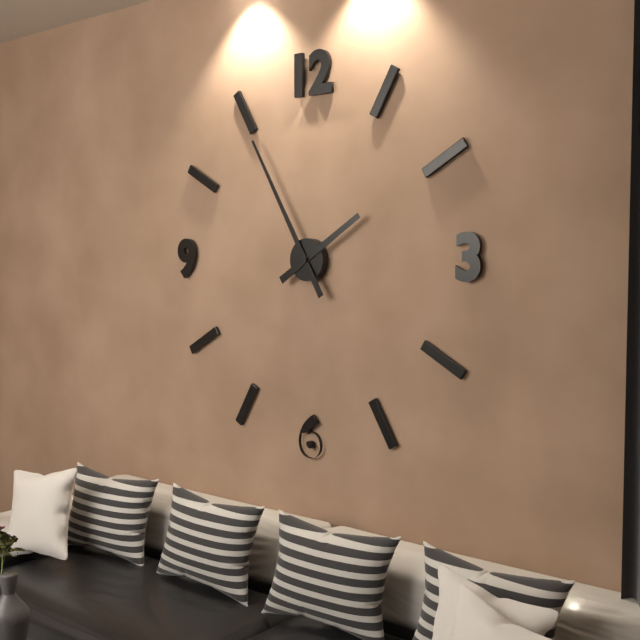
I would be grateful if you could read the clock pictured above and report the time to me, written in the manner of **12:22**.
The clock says **1:55**
